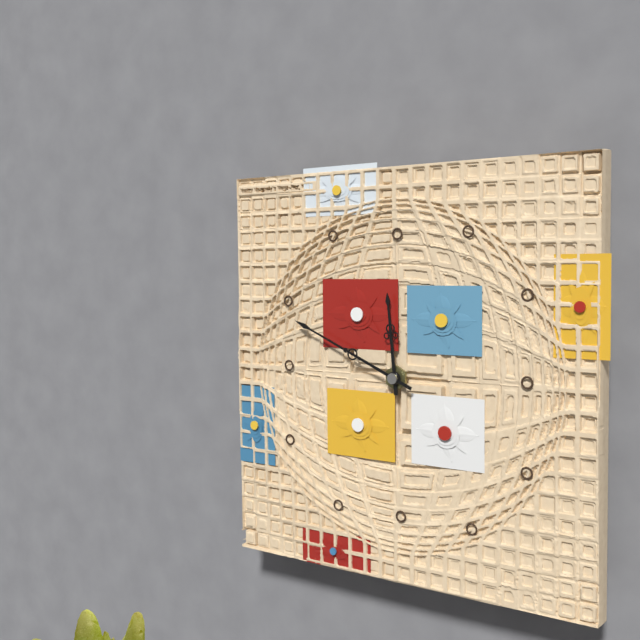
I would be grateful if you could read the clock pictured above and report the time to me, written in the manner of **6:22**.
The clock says **11:49**
